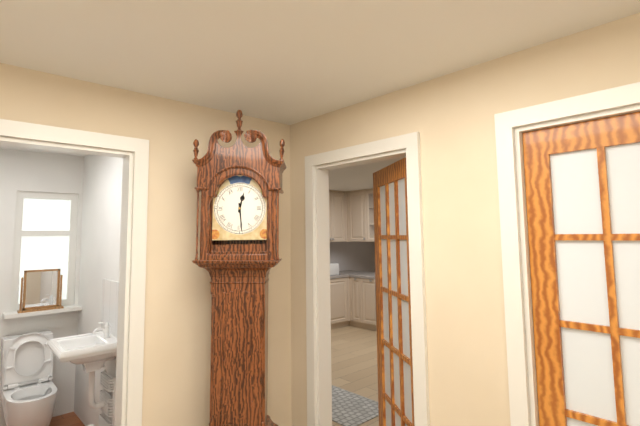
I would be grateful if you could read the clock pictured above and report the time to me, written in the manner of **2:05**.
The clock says **12:29**
